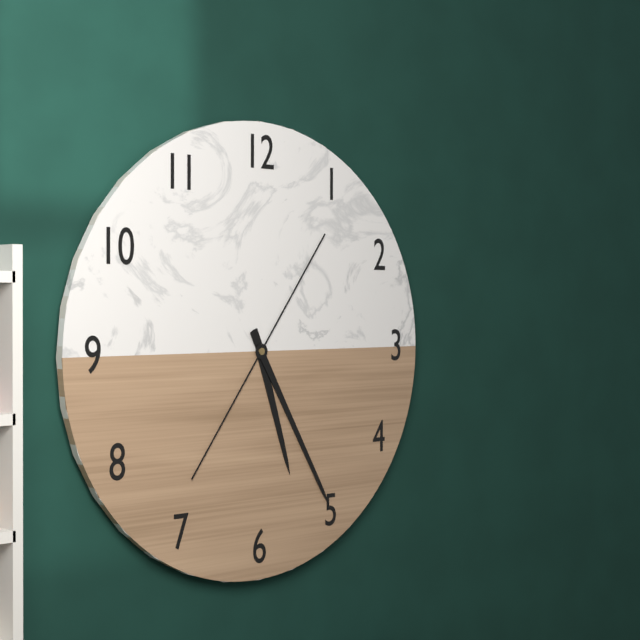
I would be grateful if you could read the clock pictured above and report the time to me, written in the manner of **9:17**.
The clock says **5:25**
